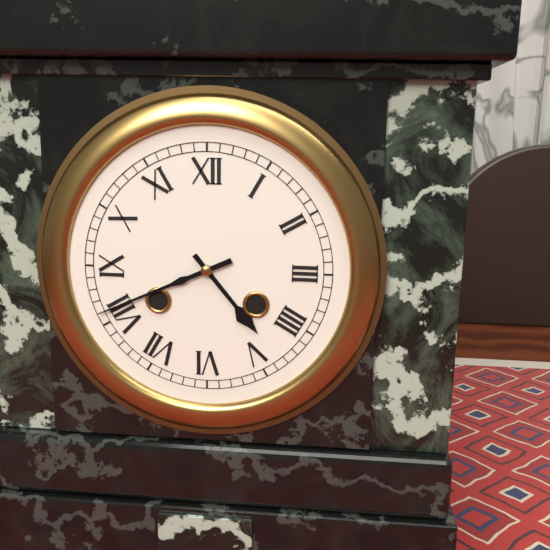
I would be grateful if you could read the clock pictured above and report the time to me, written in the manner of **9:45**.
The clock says **4:41**
